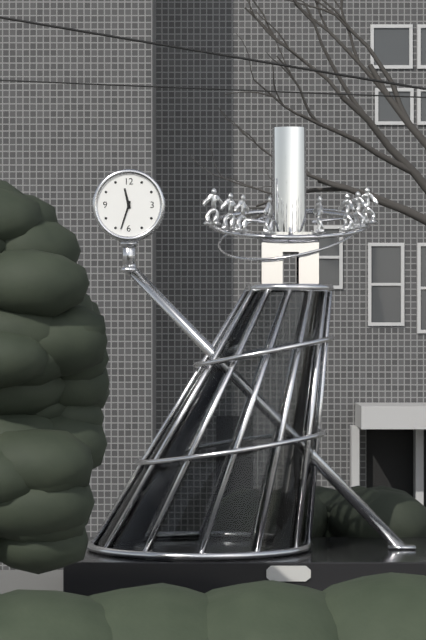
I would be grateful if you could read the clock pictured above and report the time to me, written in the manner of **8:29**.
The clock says **11:33**
